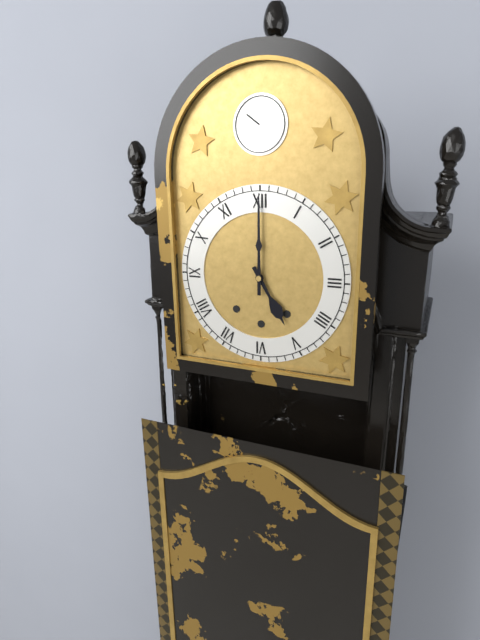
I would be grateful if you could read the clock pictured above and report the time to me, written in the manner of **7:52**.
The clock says **5:00**
